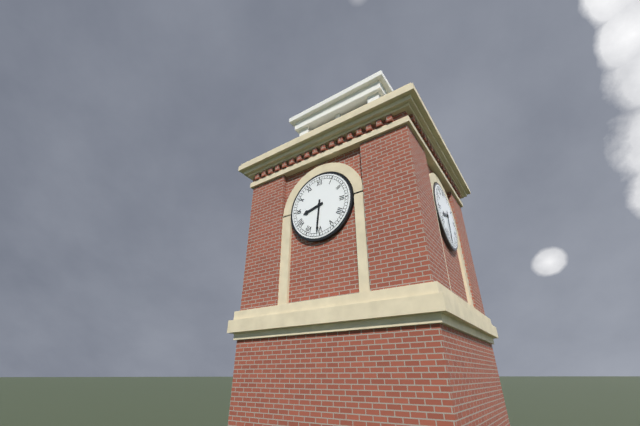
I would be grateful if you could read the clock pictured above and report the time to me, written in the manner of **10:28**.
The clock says **8:31**
